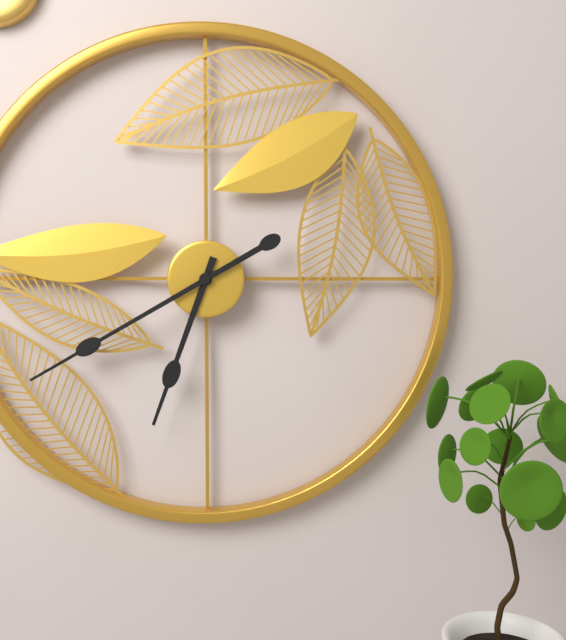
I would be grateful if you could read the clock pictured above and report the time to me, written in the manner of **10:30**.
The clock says **6:40**
